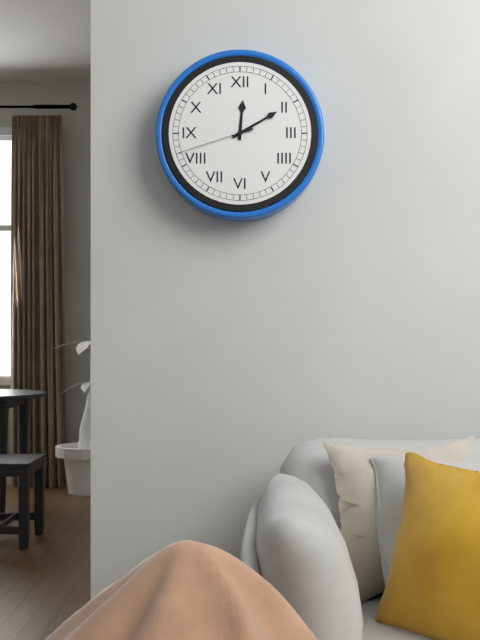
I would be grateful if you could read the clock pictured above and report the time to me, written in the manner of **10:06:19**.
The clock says **12:10:42**
